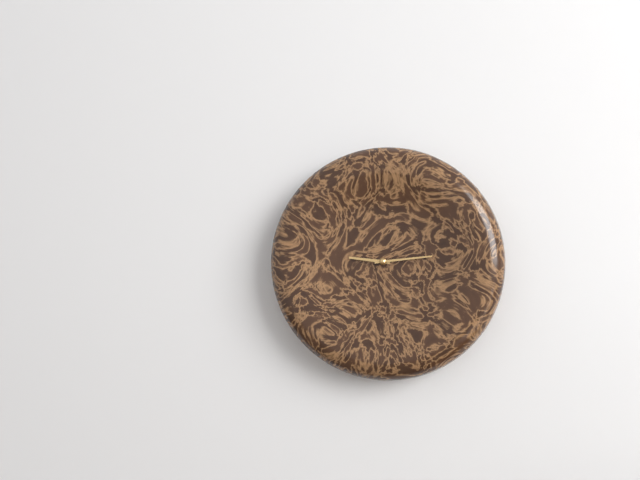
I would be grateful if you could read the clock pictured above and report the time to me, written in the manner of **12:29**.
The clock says **9:14**
